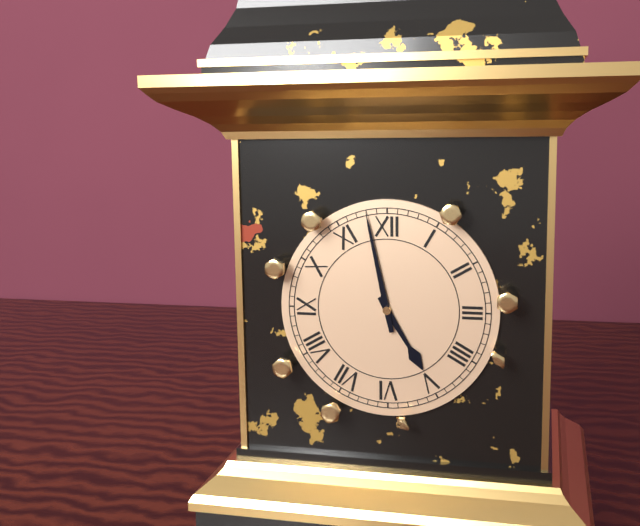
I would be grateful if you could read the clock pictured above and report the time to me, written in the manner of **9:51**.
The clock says **4:58**
